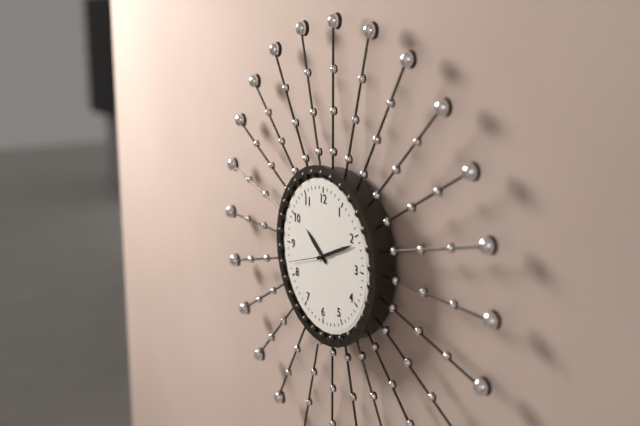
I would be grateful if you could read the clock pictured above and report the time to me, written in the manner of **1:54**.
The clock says **10:11**
